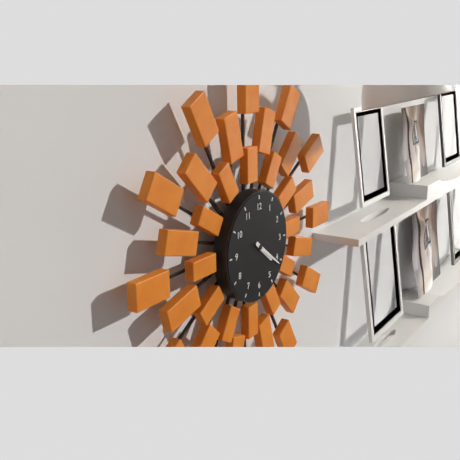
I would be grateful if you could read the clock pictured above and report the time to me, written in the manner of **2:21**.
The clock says **4:21**
